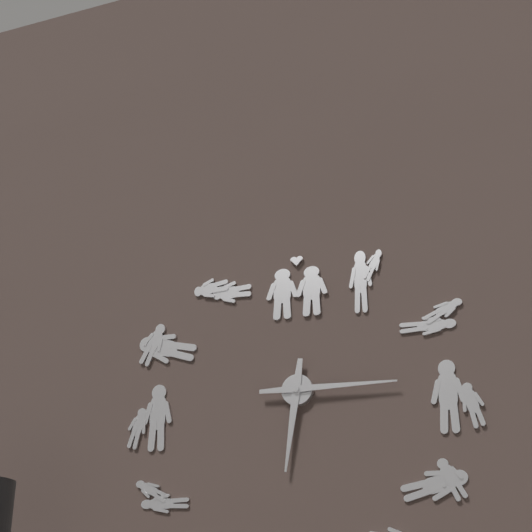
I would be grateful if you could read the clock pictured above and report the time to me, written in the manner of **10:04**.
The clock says **6:15**
